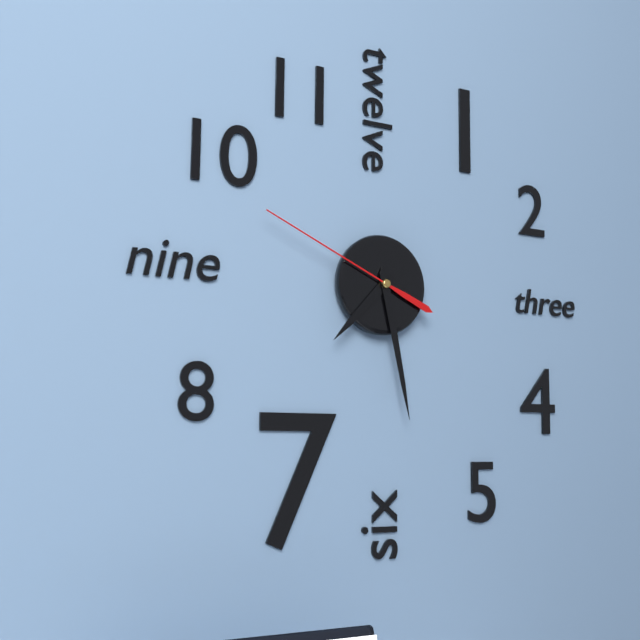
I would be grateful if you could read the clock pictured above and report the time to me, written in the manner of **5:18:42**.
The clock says **7:28:49**
